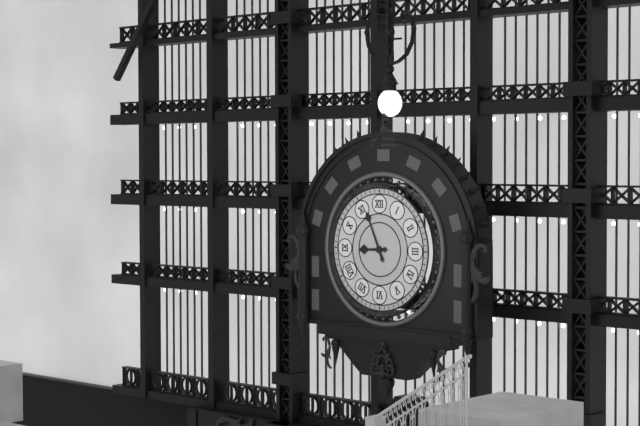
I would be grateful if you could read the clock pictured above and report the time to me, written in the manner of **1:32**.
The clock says **8:56**
